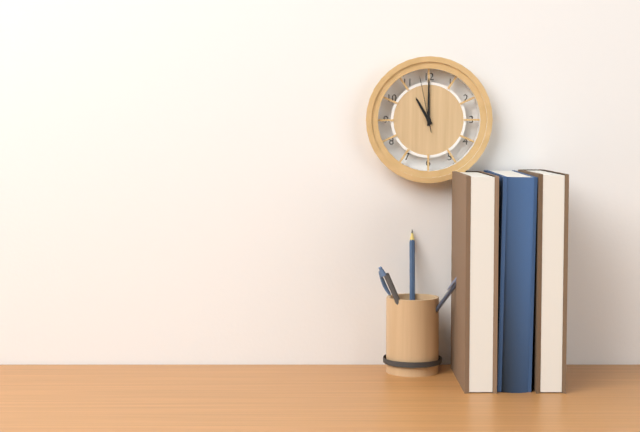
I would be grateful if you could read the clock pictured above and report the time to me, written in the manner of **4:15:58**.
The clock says **11:00:58**
